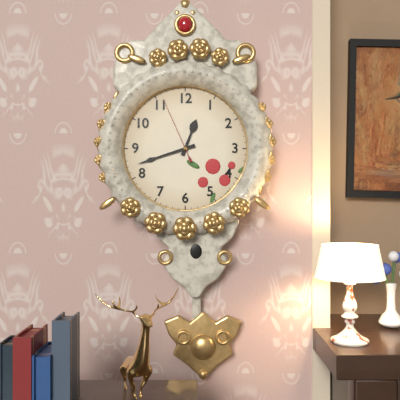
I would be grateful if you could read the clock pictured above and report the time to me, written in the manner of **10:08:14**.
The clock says **12:42:56**
